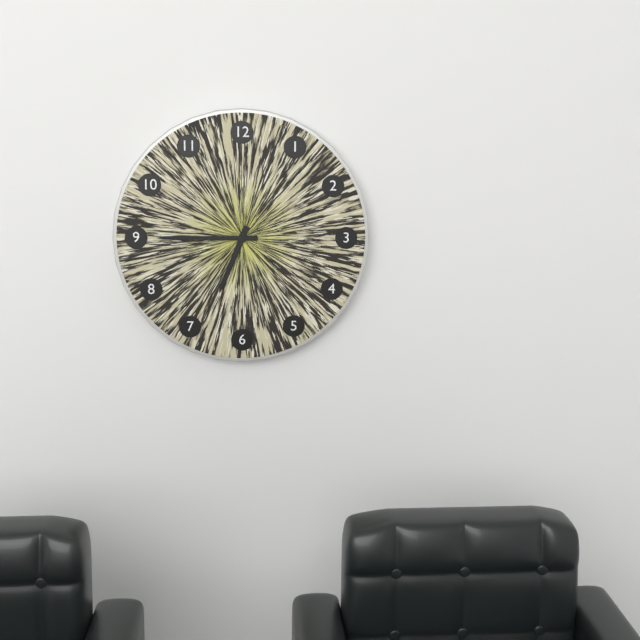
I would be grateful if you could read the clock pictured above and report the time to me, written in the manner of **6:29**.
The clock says **6:45**
